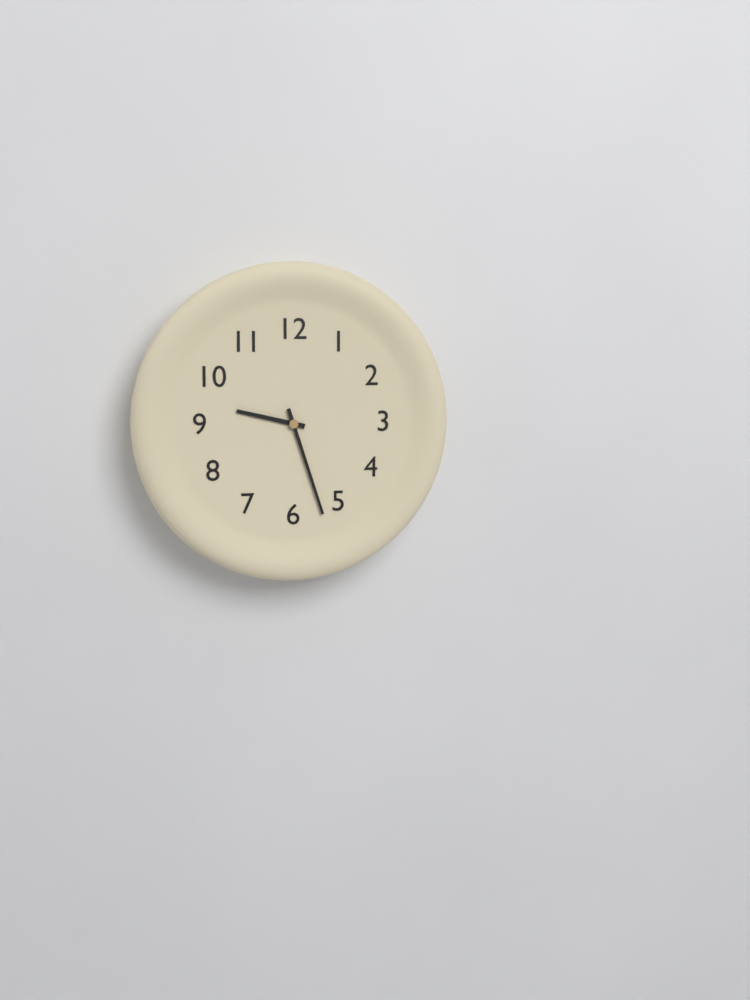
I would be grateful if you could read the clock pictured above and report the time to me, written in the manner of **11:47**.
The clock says **9:27**
